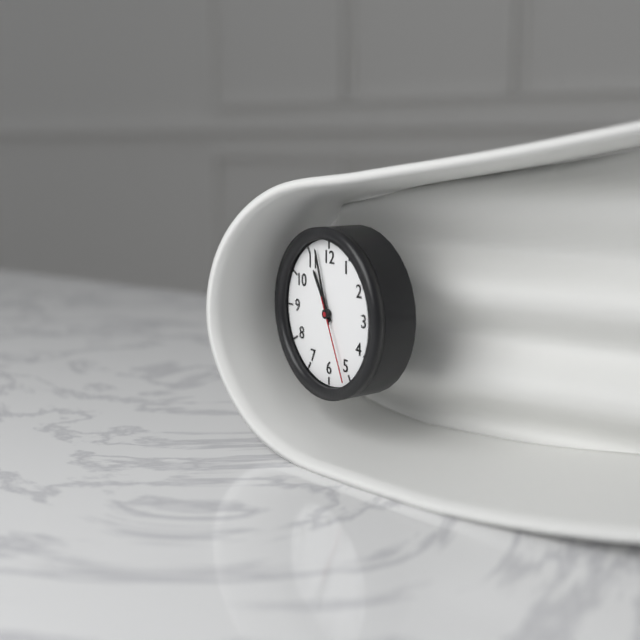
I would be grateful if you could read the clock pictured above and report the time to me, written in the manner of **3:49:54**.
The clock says **10:57:26**
